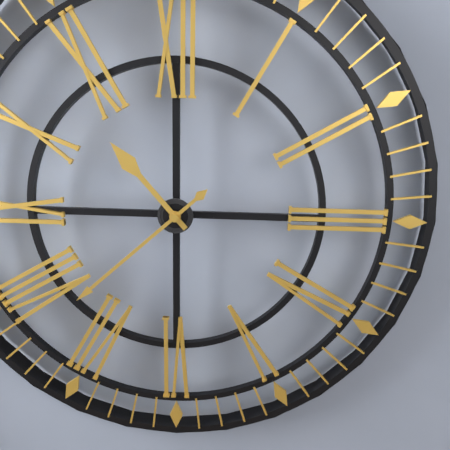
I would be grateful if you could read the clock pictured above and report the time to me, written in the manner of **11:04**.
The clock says **10:38**
